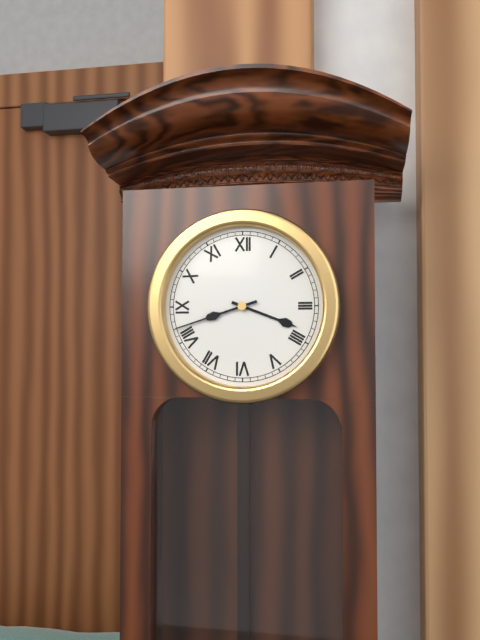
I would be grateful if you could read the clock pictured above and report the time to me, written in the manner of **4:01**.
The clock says **3:42**
